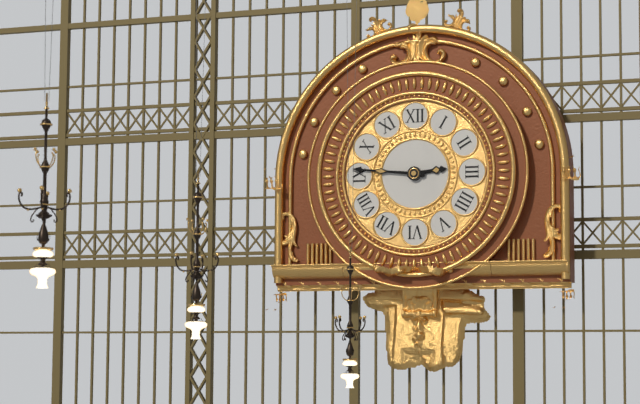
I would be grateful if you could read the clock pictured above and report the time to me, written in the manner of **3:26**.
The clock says **2:46**
